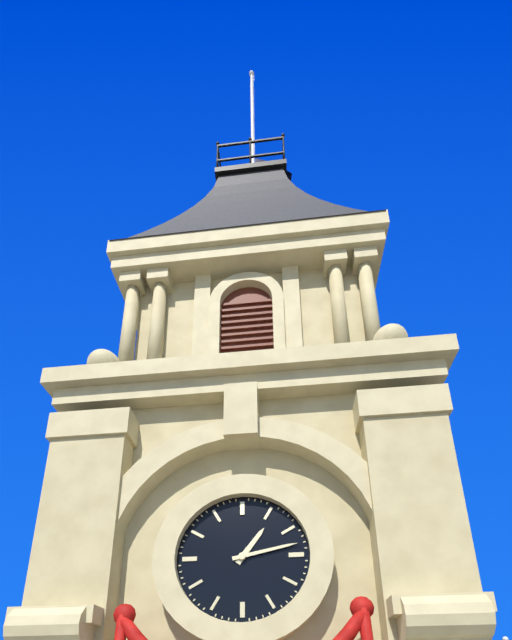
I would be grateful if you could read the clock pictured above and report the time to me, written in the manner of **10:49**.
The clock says **1:13**
